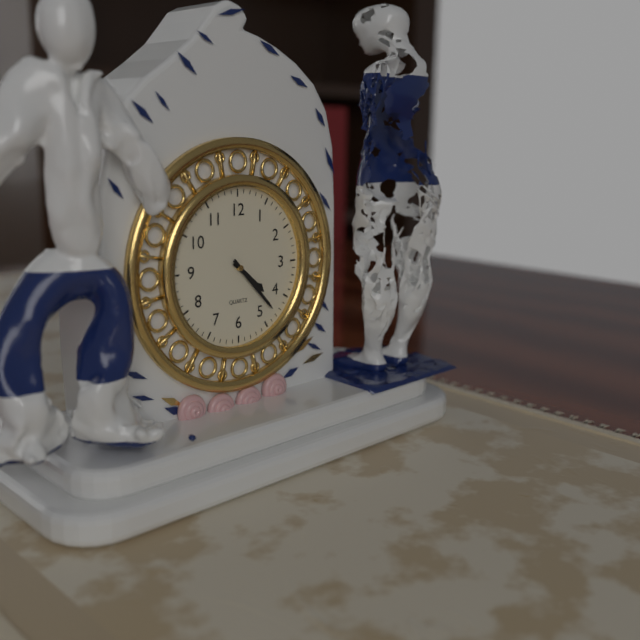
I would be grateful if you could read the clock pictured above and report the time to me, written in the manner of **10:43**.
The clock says **4:23**
